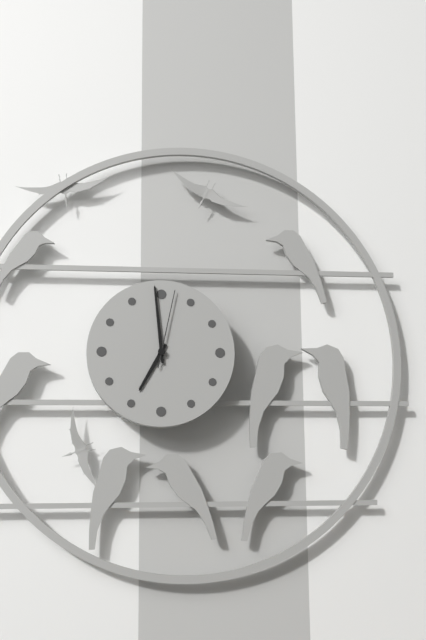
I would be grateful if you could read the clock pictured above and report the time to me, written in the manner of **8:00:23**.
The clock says **6:59:02**
